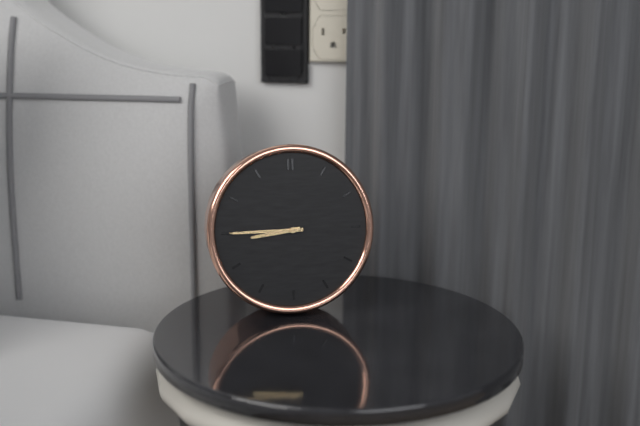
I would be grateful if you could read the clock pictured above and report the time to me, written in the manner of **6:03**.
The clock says **8:45**
